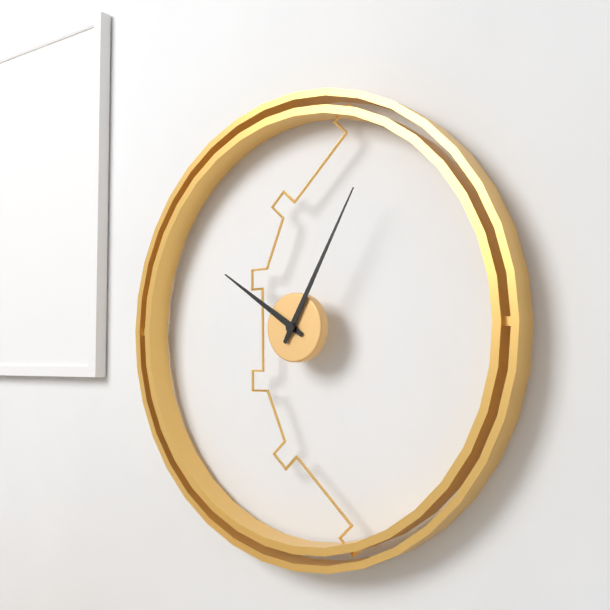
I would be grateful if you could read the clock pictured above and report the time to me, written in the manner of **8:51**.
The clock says **10:05**
